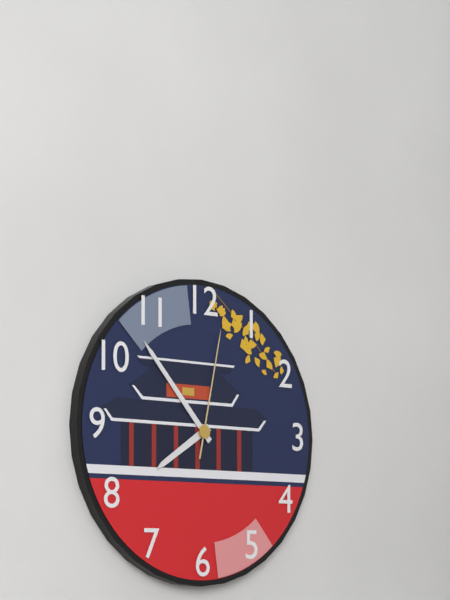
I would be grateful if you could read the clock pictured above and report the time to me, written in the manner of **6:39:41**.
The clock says **7:53:02**
